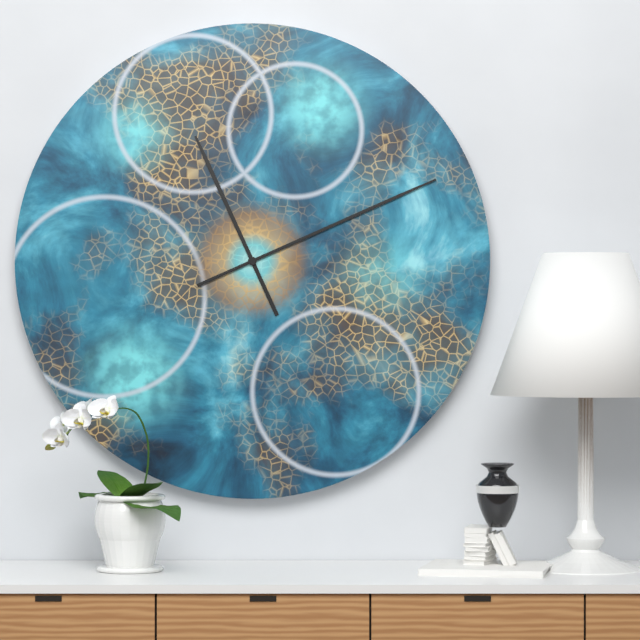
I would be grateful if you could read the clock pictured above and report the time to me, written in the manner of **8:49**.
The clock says **11:11**
